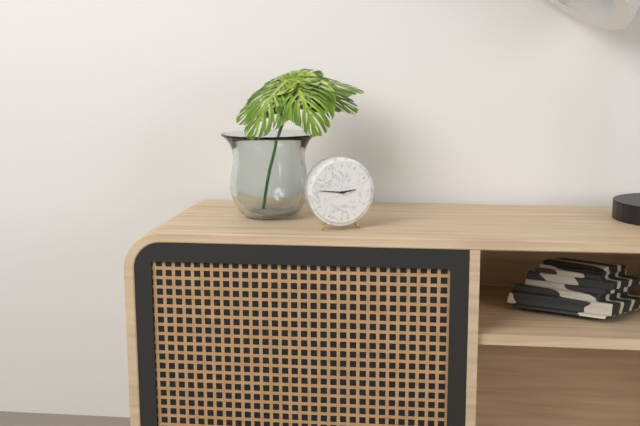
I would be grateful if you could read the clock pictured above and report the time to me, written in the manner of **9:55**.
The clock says **2:46**
